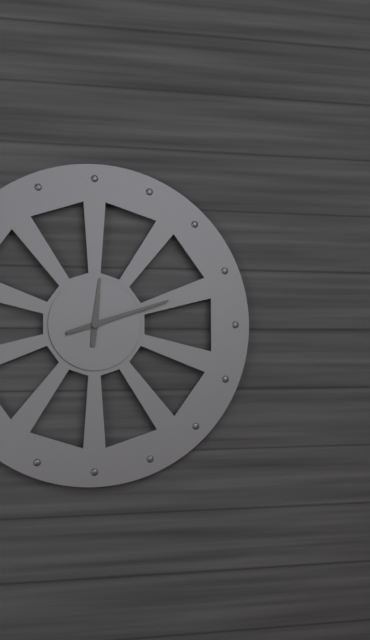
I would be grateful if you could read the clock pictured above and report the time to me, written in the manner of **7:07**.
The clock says **12:12**
